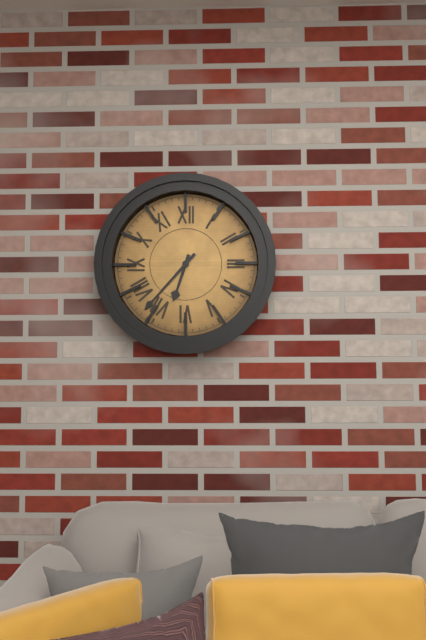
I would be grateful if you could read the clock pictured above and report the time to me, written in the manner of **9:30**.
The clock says **6:37**
